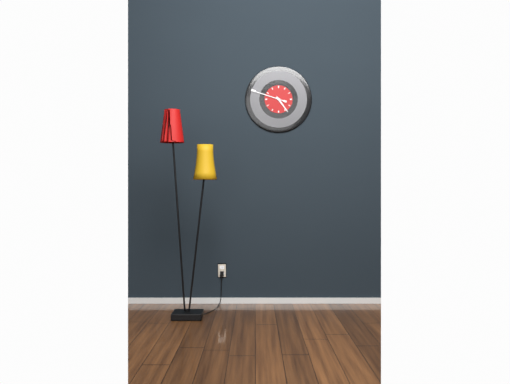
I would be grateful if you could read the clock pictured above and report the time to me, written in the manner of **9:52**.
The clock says **4:48**
